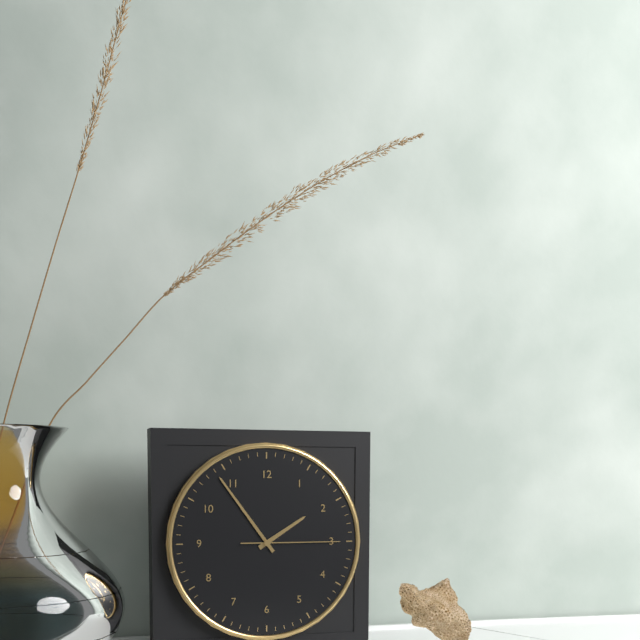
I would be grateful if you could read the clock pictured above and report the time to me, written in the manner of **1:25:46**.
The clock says **1:54:15**
